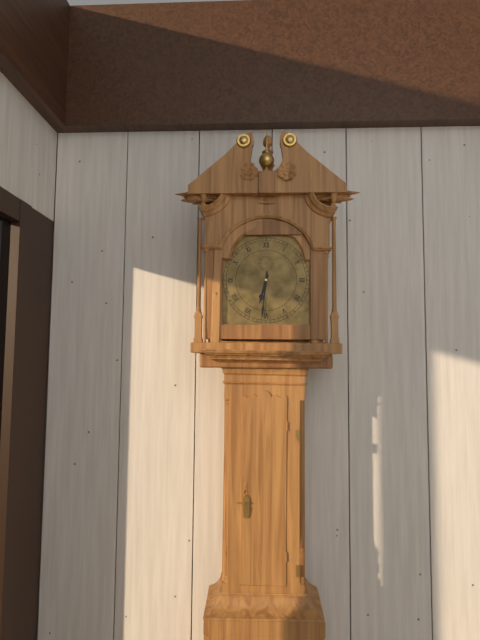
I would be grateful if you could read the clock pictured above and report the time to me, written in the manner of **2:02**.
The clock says **6:31**
